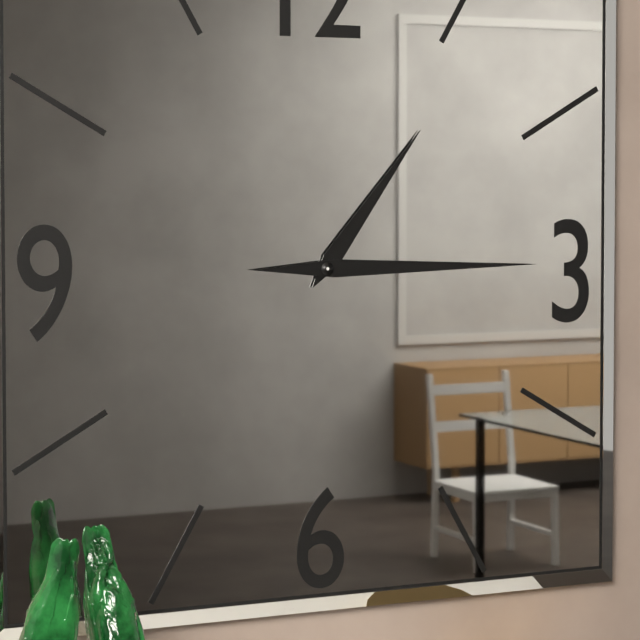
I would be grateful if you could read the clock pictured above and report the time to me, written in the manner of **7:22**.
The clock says **1:15**
